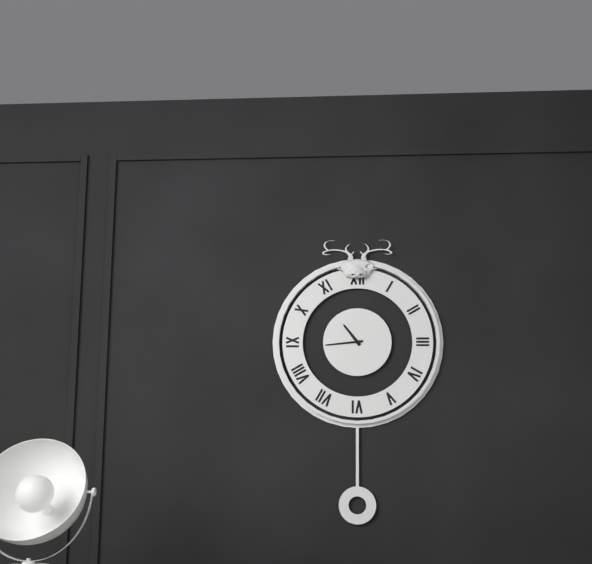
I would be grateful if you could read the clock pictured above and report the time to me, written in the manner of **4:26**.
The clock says **10:44**
